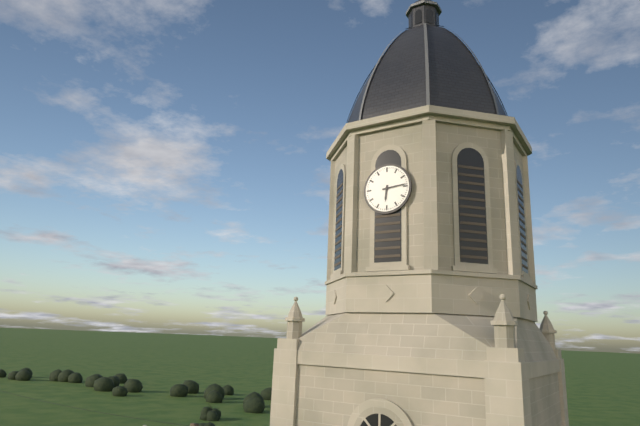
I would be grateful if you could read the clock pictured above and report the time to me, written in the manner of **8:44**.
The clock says **6:14**
